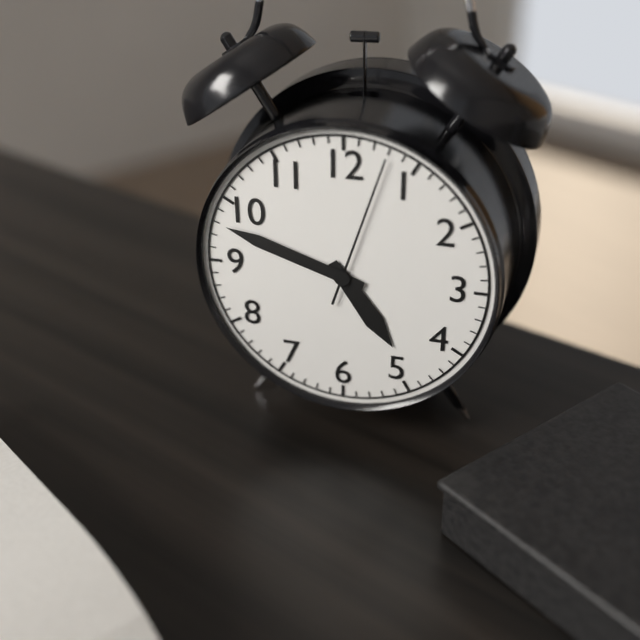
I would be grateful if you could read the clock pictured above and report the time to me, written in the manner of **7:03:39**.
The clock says **4:48:03**
